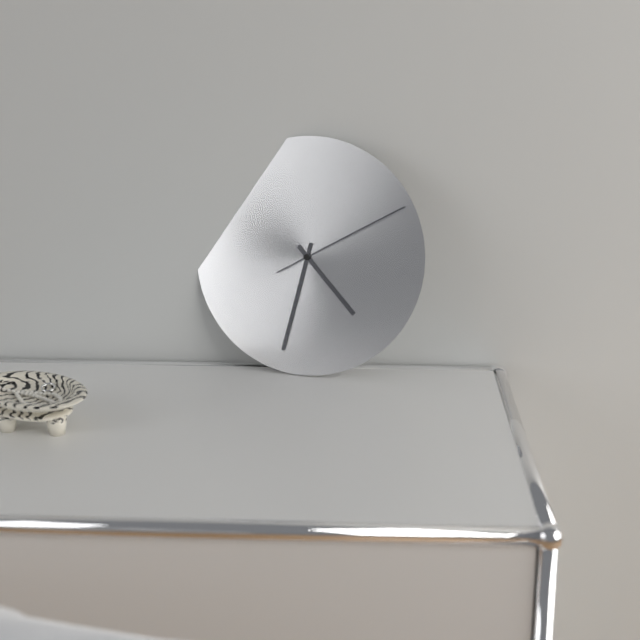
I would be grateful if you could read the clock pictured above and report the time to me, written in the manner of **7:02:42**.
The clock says **4:32:10**
